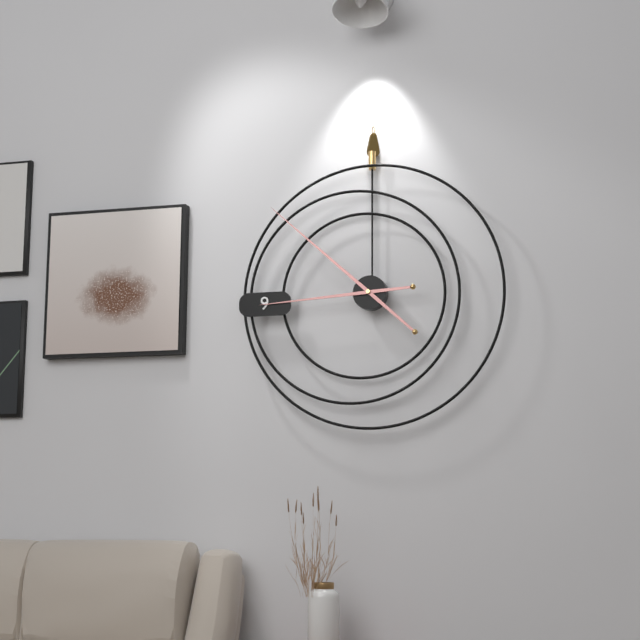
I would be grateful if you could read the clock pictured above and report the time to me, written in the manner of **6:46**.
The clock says **8:52**
